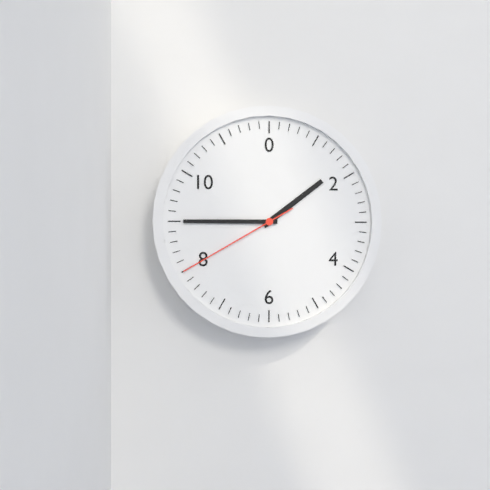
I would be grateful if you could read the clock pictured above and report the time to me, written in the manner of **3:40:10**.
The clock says **1:45:40**
